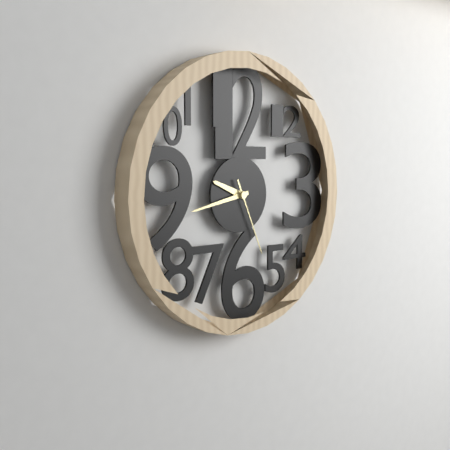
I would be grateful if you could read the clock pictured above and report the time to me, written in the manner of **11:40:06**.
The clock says **9:43:26**
